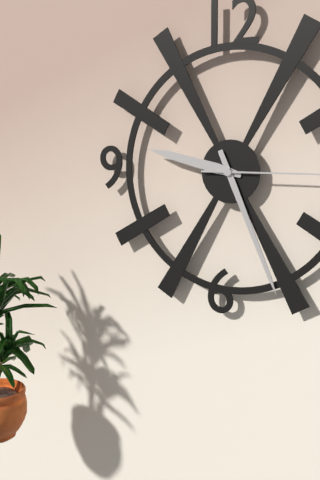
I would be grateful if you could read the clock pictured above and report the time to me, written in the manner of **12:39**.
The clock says **9:26**
